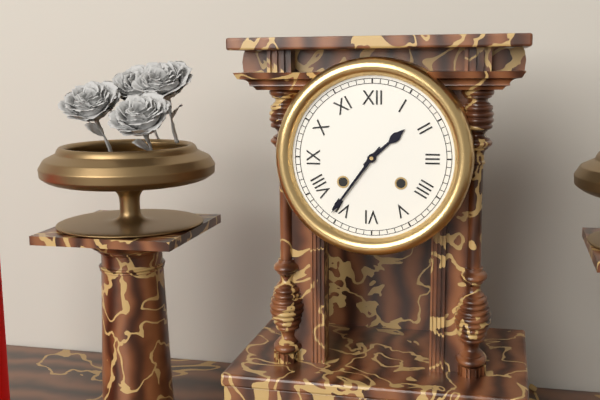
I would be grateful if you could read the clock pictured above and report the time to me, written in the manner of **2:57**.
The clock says **1:36**
